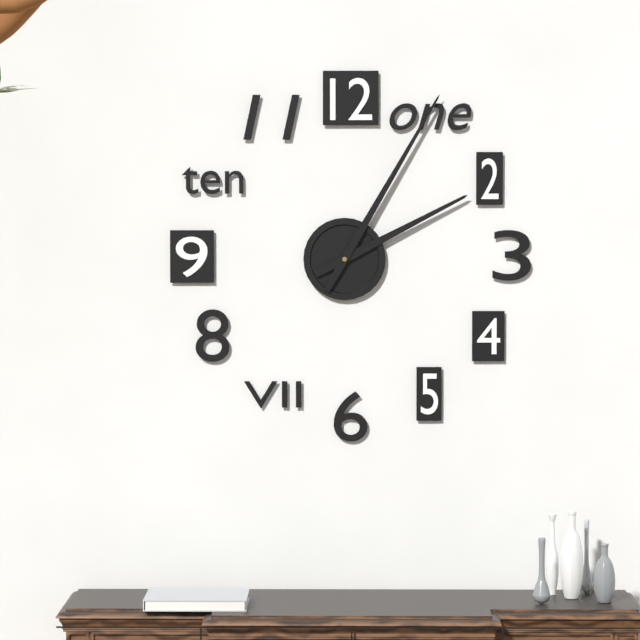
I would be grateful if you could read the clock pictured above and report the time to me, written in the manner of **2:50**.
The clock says **2:05**
